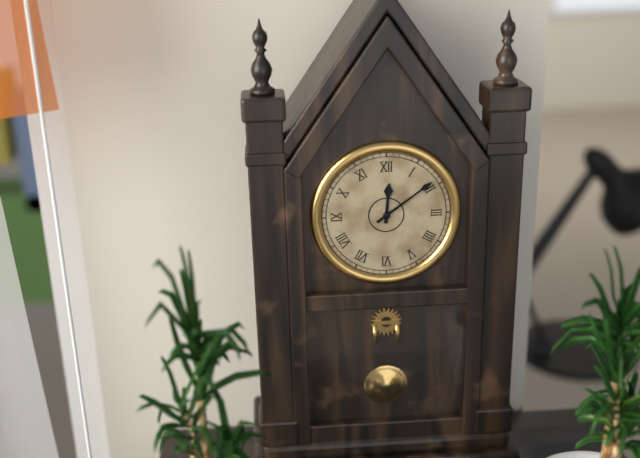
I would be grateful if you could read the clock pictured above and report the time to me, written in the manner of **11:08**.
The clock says **12:09**
